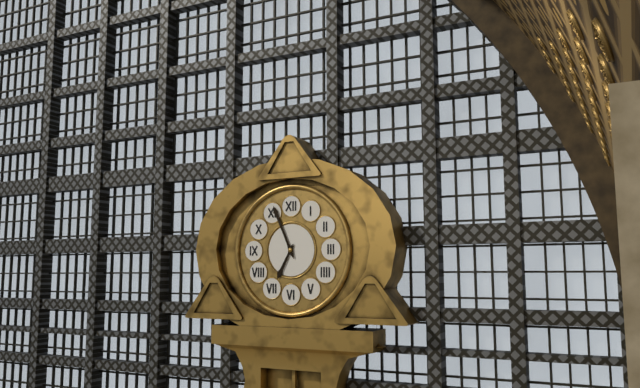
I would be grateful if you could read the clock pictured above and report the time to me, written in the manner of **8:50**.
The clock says **6:56**
